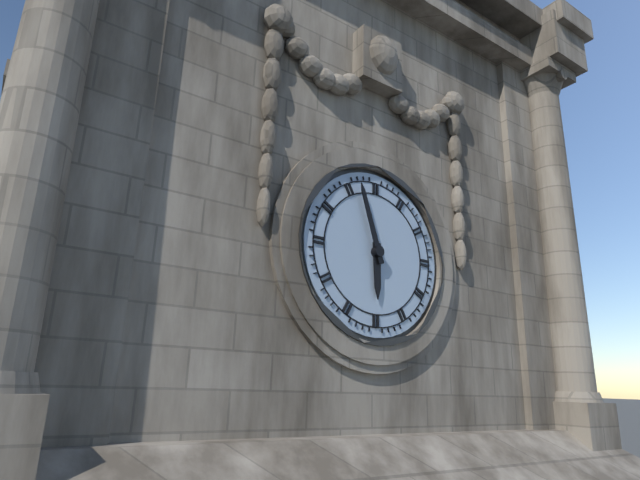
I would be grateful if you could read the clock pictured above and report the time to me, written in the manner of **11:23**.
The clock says **5:57**
